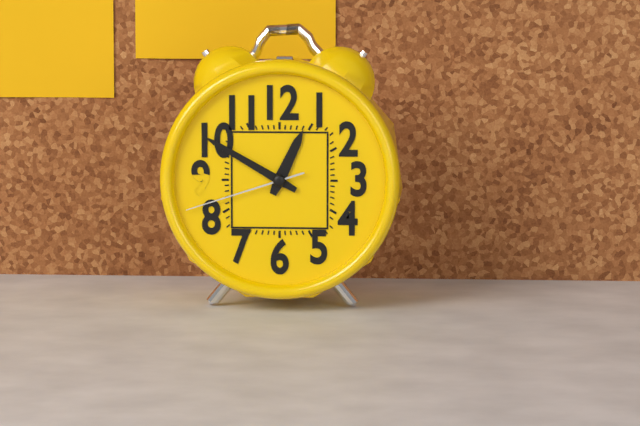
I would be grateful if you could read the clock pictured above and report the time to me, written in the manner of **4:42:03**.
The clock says **12:50:42**
